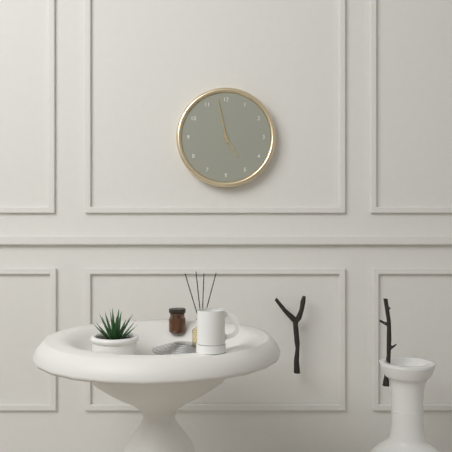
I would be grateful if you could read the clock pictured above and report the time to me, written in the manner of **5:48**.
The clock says **4:58**
